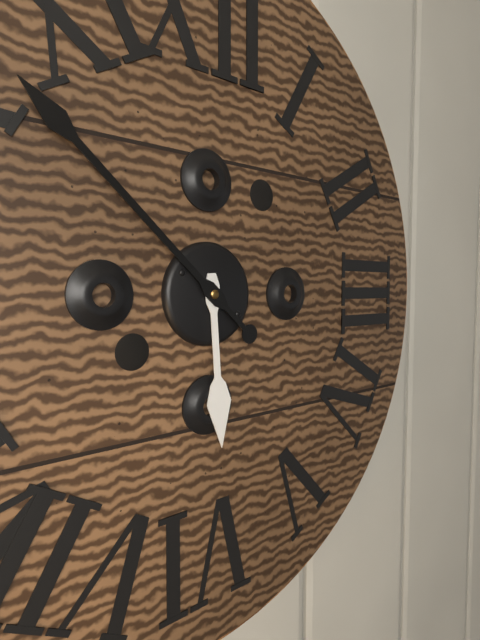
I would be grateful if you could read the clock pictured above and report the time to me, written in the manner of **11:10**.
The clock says **5:52**
